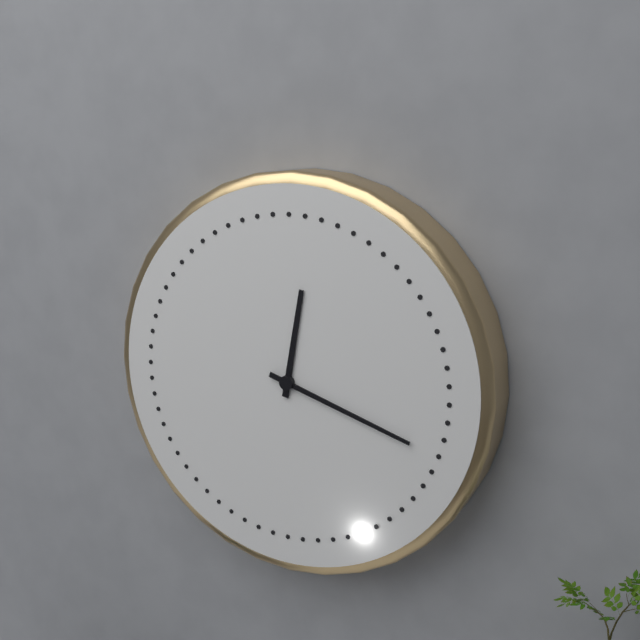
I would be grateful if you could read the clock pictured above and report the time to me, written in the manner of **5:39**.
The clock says **12:18**
